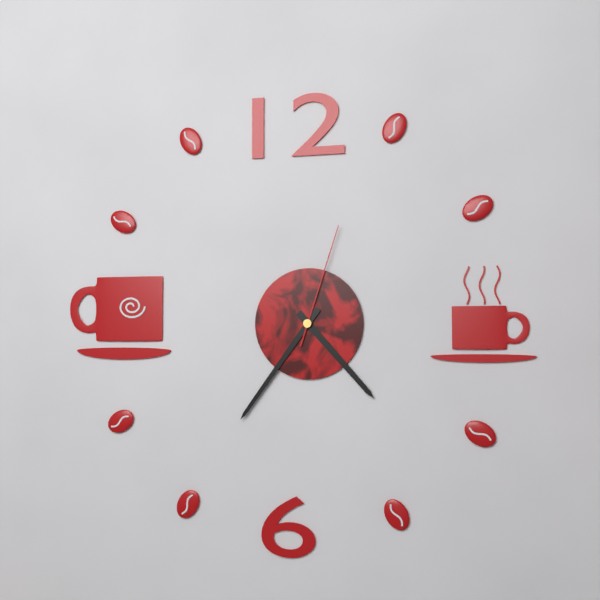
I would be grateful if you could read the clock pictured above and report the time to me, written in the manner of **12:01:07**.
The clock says **4:36:03**
